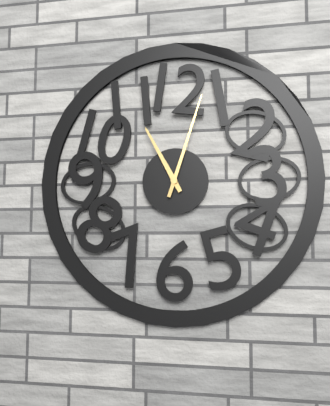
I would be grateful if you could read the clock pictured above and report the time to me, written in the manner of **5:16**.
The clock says **11:03**
